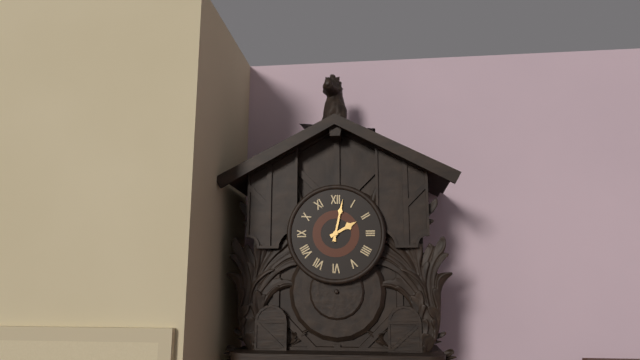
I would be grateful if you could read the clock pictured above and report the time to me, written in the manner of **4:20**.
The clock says **2:02**
